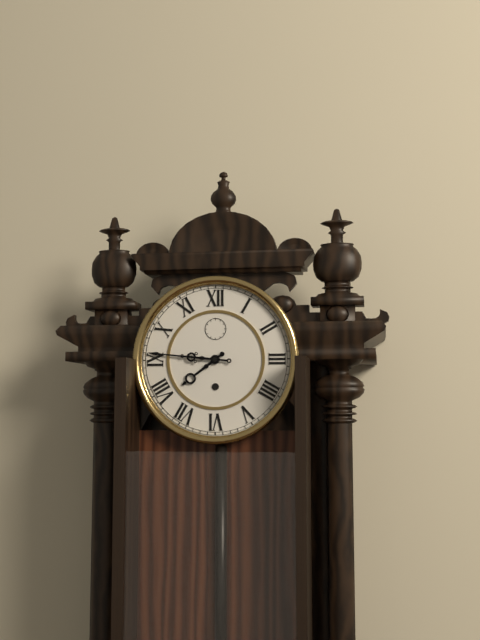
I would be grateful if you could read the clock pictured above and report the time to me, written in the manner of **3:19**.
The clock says **7:46**
